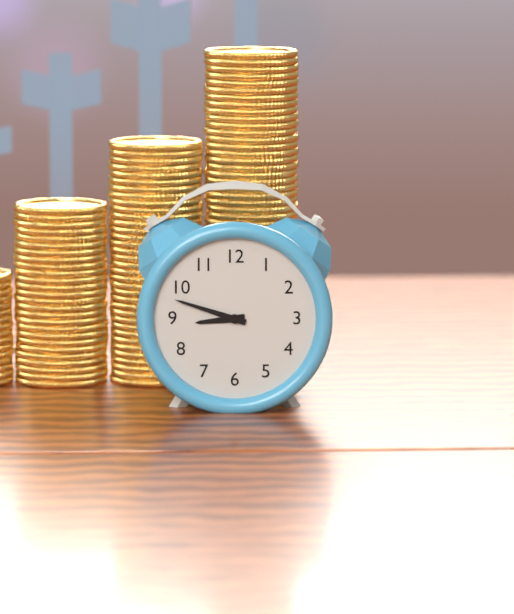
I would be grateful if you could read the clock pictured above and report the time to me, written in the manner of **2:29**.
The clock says **8:48**
